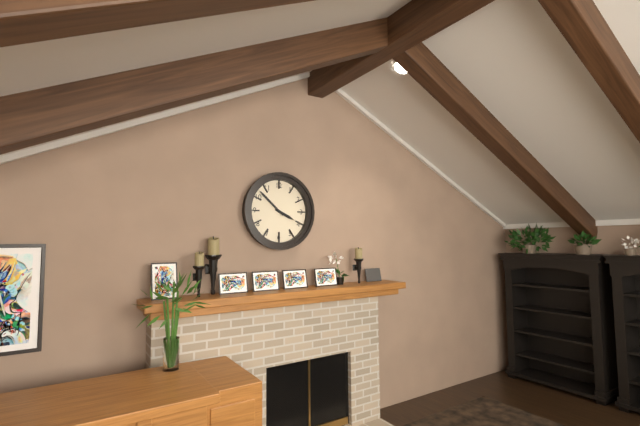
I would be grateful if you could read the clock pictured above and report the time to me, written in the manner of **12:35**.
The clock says **3:52**
